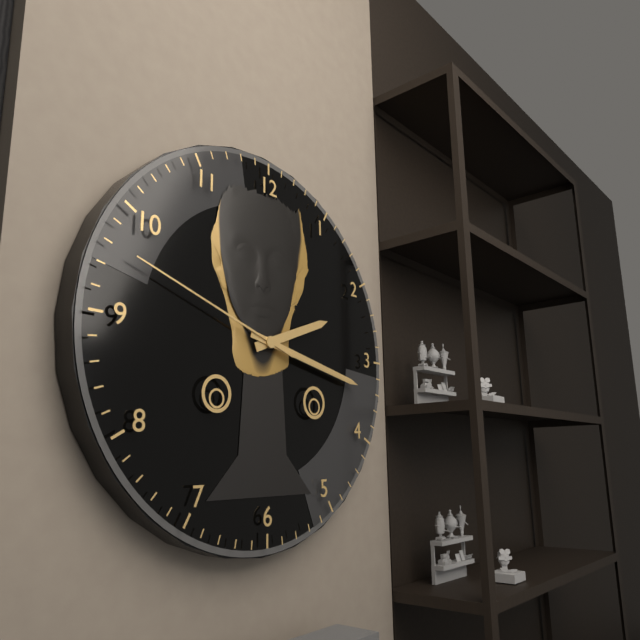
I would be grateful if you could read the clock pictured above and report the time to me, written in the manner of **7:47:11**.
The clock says **2:17:48**
